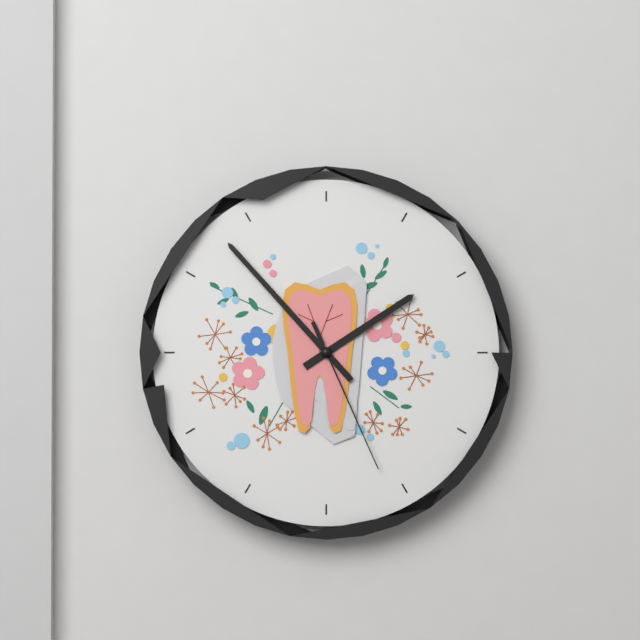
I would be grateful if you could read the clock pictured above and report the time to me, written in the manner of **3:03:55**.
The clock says **1:53:26**
